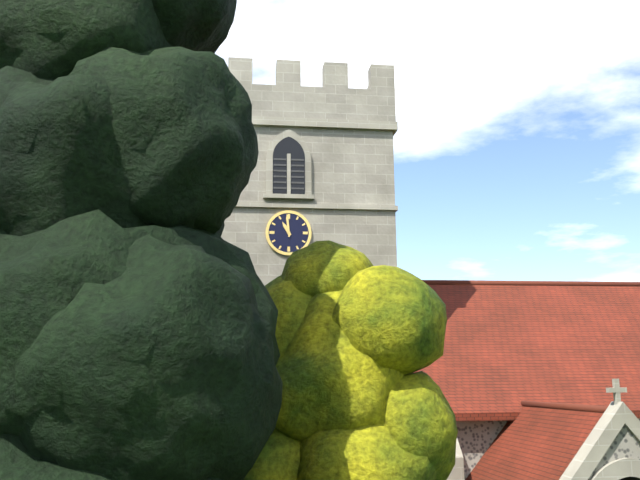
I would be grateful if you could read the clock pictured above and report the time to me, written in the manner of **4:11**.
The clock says **10:59**
